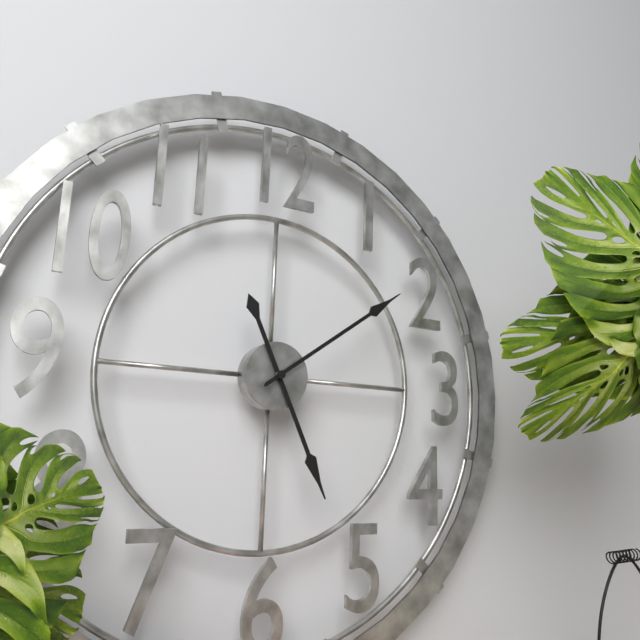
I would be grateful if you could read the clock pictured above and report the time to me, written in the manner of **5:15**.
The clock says **5:09**
